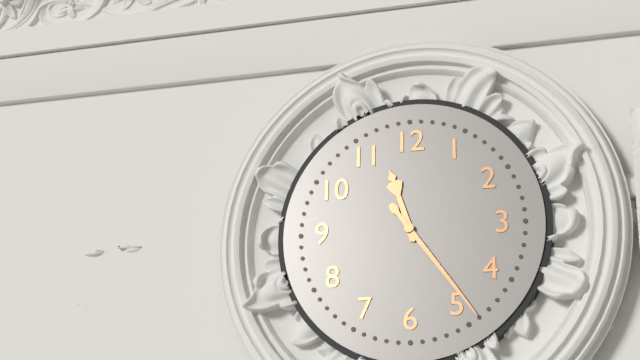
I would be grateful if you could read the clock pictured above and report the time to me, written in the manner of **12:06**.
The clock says **11:24**
